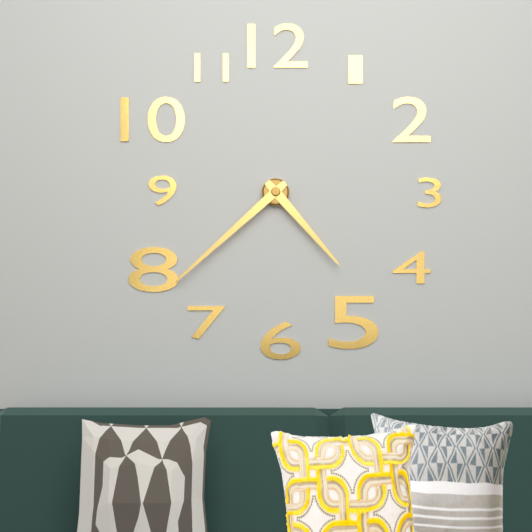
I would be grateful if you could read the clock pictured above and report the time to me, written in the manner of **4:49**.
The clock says **4:38**
